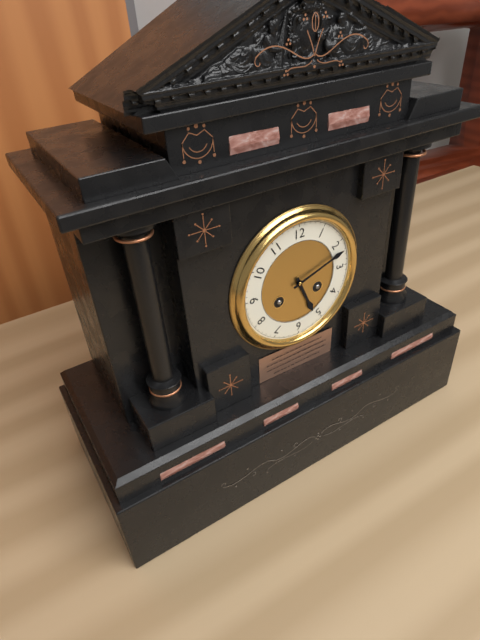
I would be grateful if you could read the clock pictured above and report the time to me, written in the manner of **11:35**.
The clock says **5:12**
